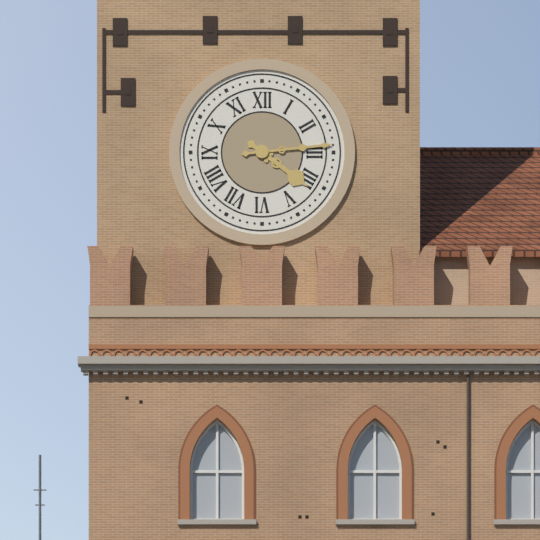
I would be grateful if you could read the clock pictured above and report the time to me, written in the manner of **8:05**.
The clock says **4:14**
